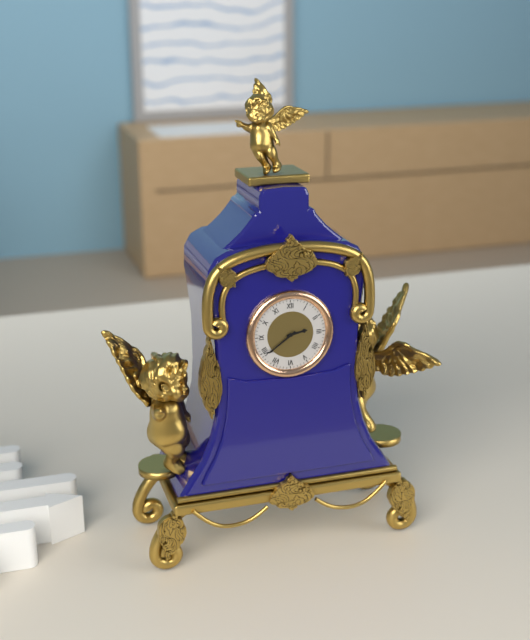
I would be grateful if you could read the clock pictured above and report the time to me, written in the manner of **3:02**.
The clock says **2:39**
